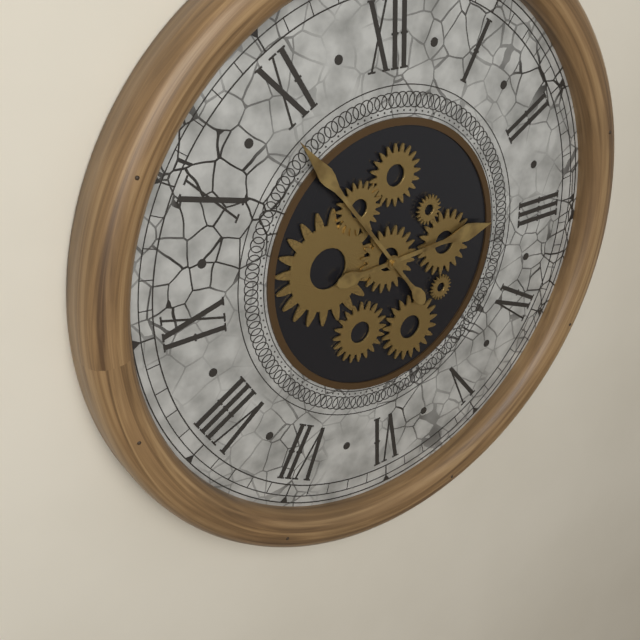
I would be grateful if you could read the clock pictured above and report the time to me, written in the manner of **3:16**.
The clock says **2:54**
